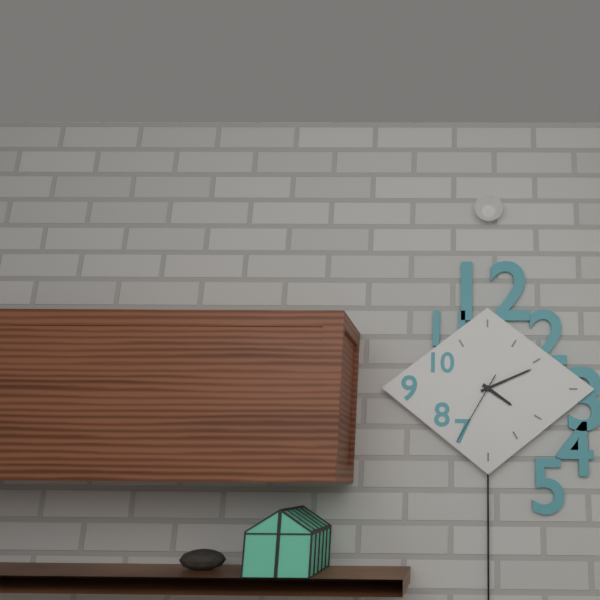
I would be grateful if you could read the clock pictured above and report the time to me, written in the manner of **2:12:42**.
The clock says **4:11:35**
